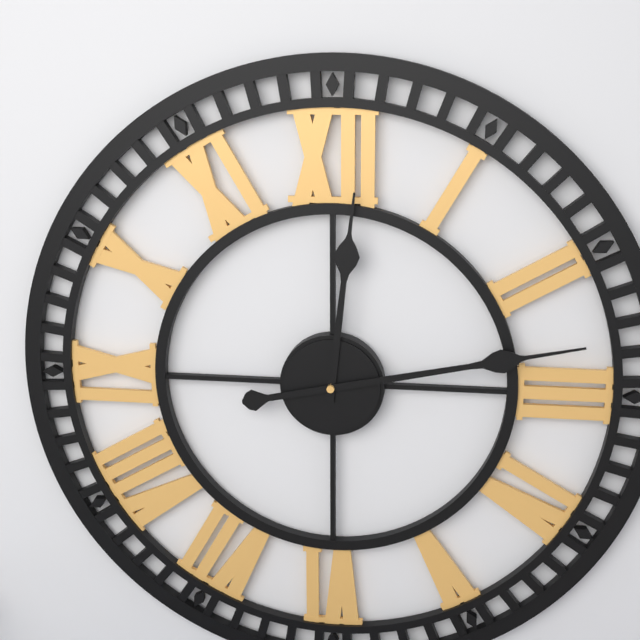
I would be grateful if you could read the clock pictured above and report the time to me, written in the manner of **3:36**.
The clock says **12:13**
